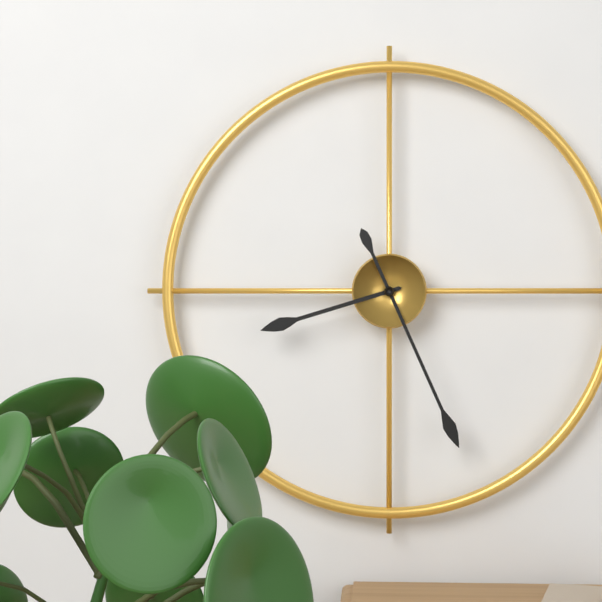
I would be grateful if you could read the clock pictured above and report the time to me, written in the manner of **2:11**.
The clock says **8:26**
